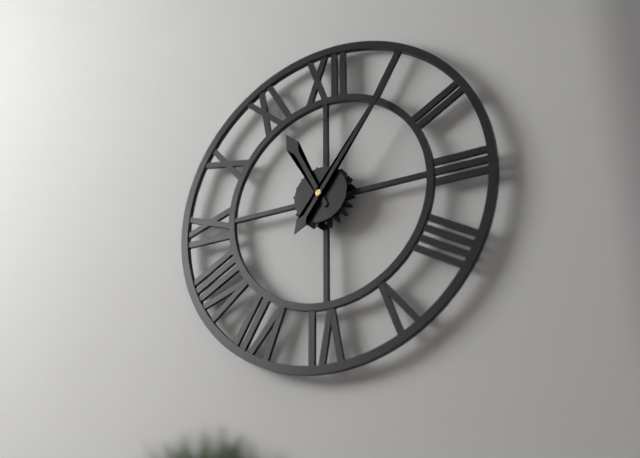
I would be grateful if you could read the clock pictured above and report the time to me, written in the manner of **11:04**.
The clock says **11:06**
